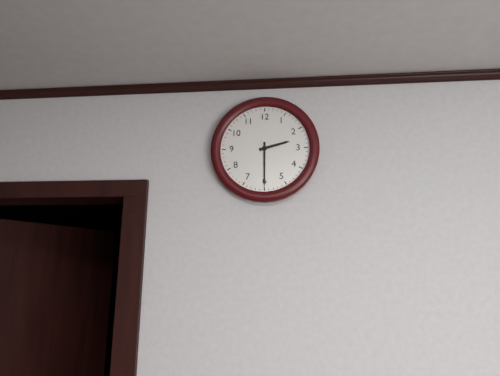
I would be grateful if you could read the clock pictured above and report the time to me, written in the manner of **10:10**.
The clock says **2:30**
